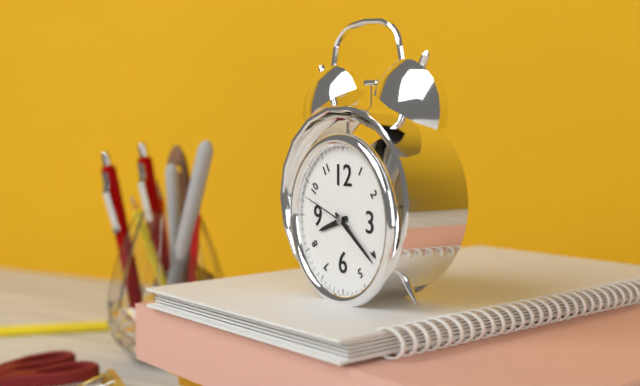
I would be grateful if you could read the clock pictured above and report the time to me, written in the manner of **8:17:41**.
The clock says **8:21:48**
